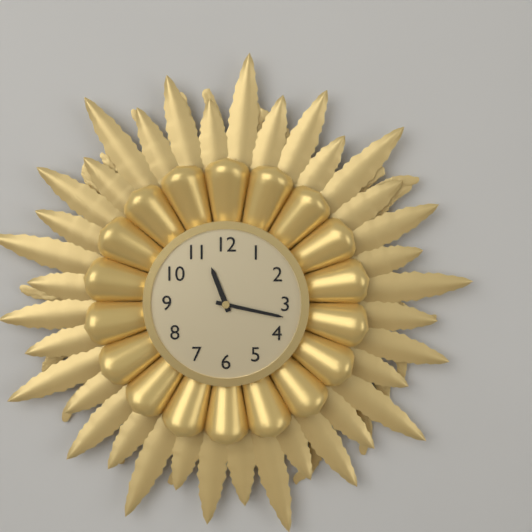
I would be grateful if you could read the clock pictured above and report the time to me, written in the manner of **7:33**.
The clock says **11:17**
